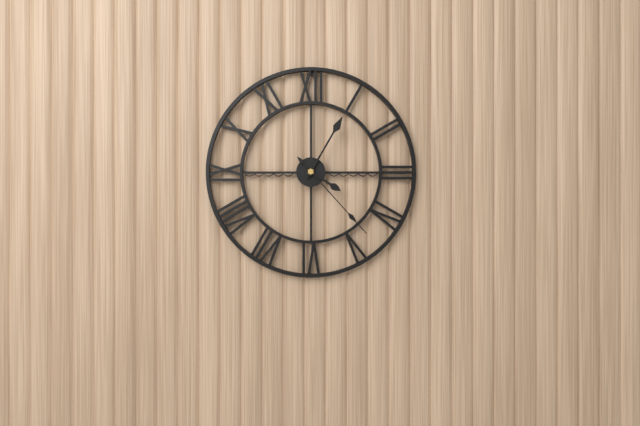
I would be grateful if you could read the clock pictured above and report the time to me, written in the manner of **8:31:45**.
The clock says **4:05:23**
